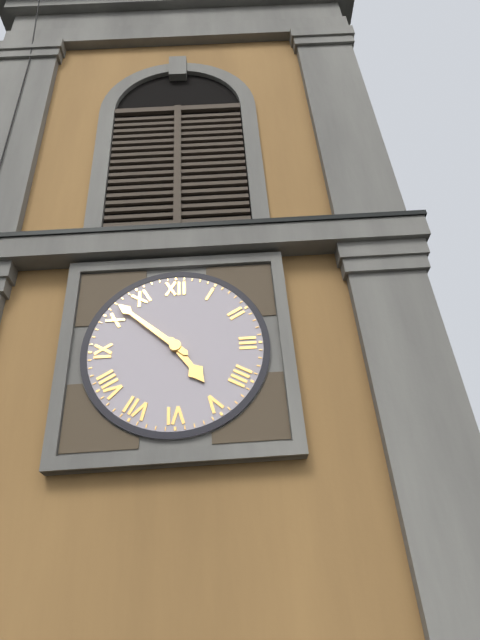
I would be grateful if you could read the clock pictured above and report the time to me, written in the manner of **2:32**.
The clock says **4:52**
